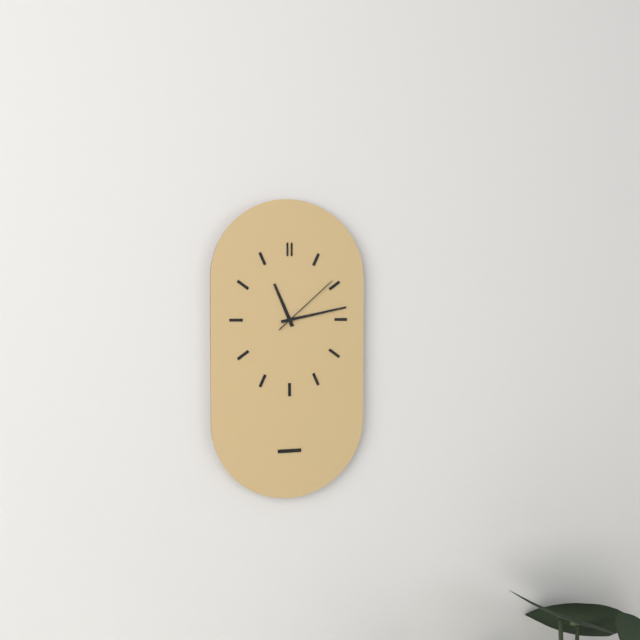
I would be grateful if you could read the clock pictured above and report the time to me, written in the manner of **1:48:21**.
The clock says **11:13:08**
